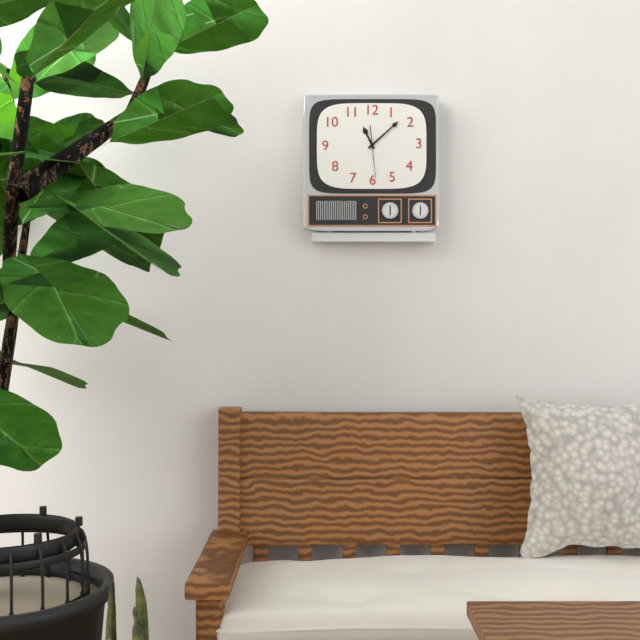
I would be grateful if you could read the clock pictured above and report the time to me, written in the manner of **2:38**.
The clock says **11:08**
